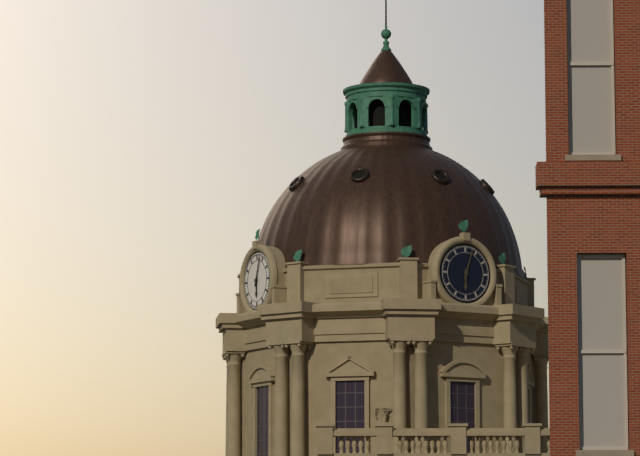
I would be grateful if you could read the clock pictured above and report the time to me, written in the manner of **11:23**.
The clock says **6:03**
